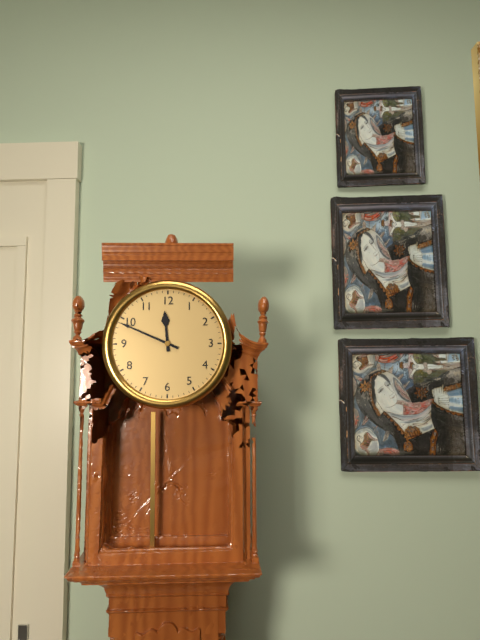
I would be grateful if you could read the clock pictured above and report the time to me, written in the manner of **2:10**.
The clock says **11:49**
